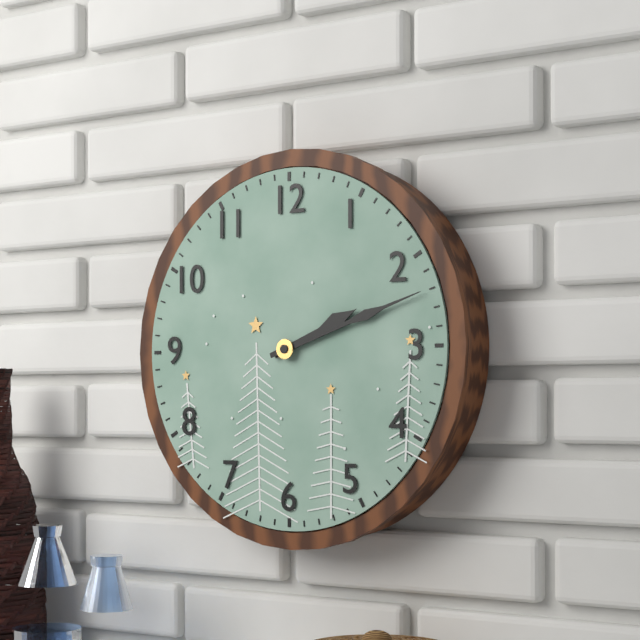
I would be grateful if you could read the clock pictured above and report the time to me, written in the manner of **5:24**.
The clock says **2:12**
